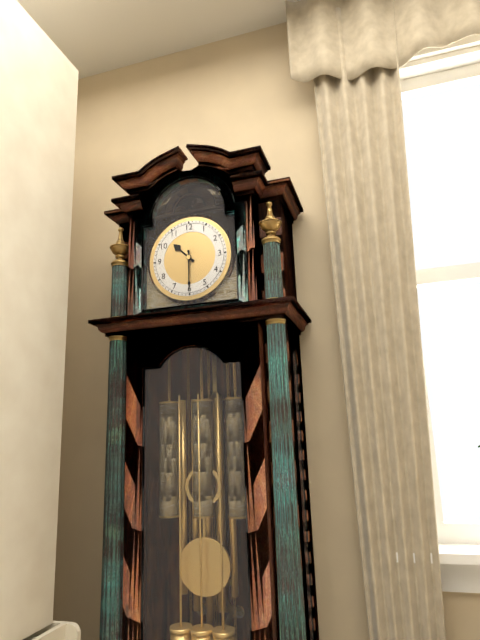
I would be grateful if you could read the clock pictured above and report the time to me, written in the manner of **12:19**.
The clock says **10:30**
